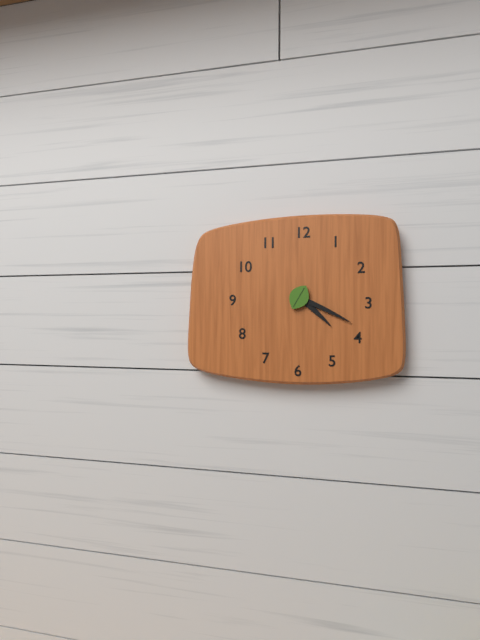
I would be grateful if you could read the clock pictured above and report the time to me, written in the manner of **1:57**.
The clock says **4:19**
